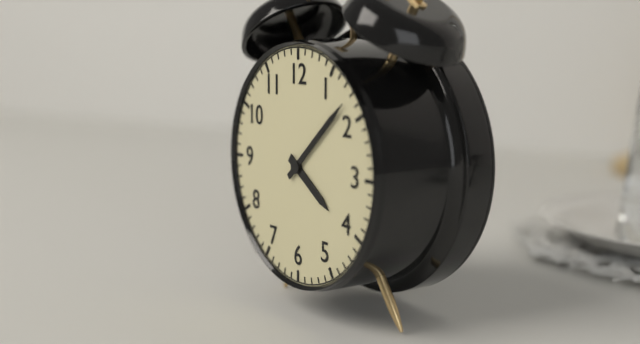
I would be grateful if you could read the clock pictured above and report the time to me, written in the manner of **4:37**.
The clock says **4:08**
